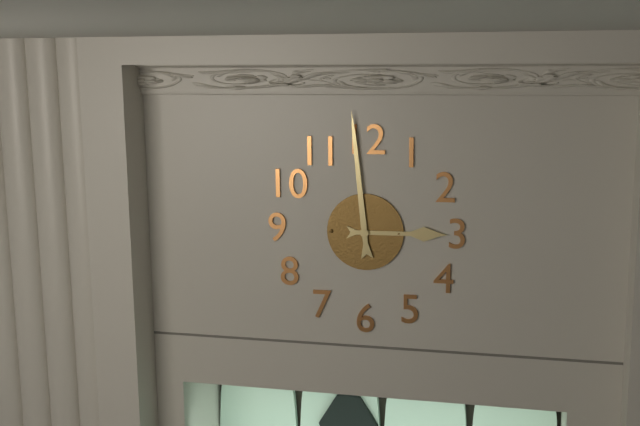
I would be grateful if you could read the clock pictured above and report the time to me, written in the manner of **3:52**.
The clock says **2:59**
